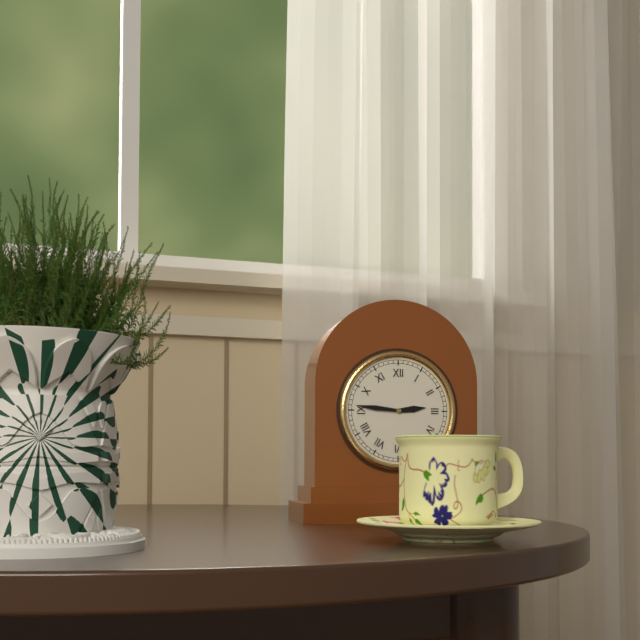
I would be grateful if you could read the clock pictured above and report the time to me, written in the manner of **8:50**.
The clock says **2:46**
